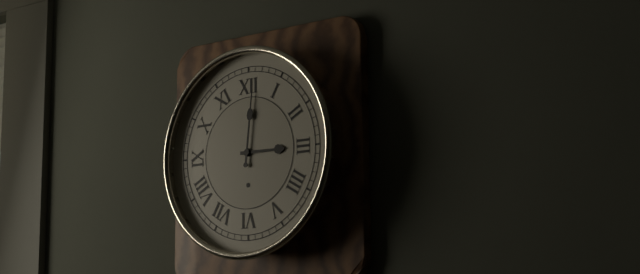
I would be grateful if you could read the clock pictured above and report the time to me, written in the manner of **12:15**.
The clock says **3:01**
